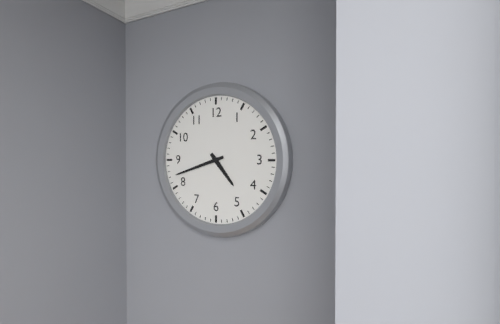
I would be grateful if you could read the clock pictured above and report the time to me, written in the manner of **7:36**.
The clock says **4:42**
